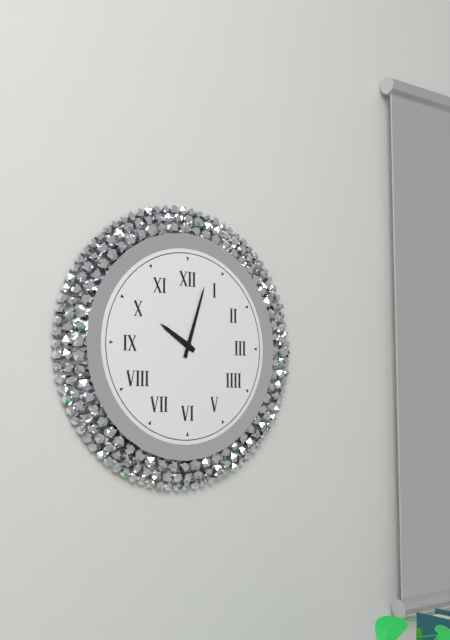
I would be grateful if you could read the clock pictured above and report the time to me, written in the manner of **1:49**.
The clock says **10:03**
